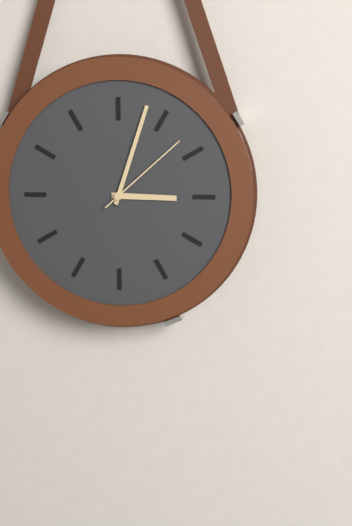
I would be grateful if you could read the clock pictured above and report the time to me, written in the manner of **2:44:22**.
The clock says **3:03:08**
